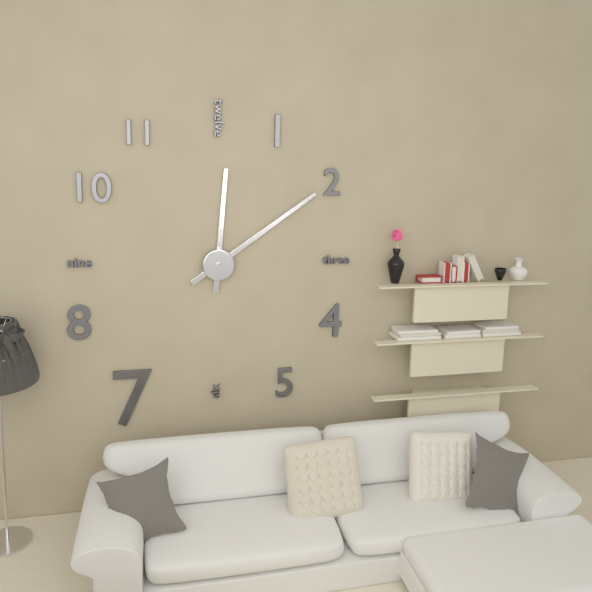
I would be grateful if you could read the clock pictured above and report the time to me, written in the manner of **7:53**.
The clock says **12:09**
